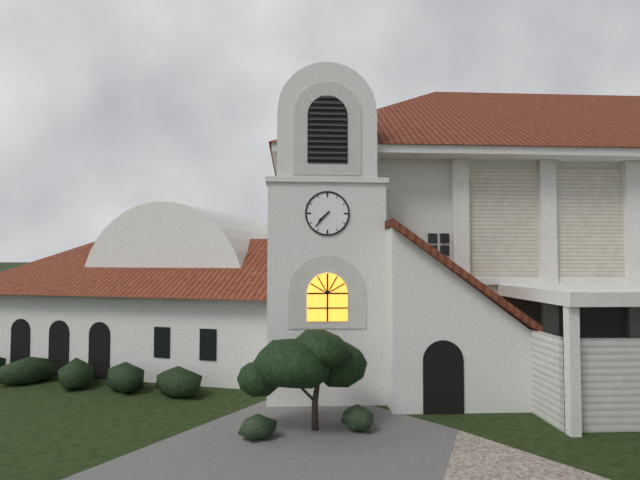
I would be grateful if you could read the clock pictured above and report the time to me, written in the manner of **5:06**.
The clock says **7:37**
